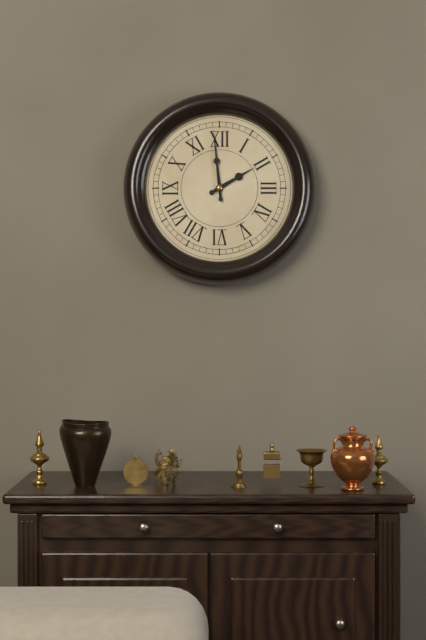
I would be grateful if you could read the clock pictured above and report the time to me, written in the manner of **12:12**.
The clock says **1:59**
